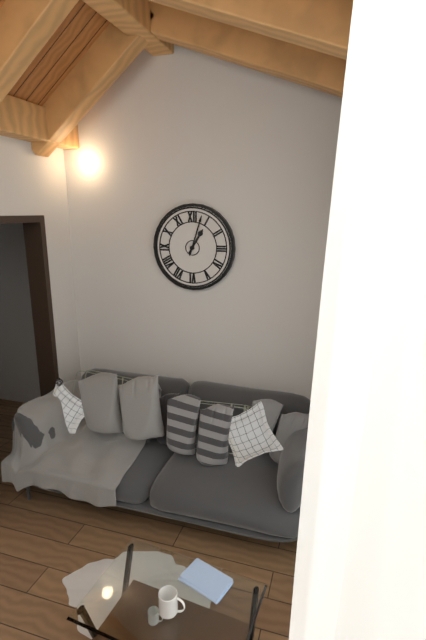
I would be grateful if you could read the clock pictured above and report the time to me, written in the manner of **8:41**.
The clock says **1:03**
